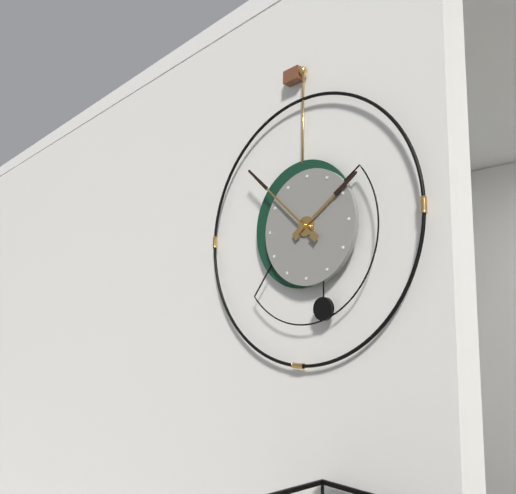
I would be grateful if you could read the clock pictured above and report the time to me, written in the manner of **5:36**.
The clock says **1:52**
